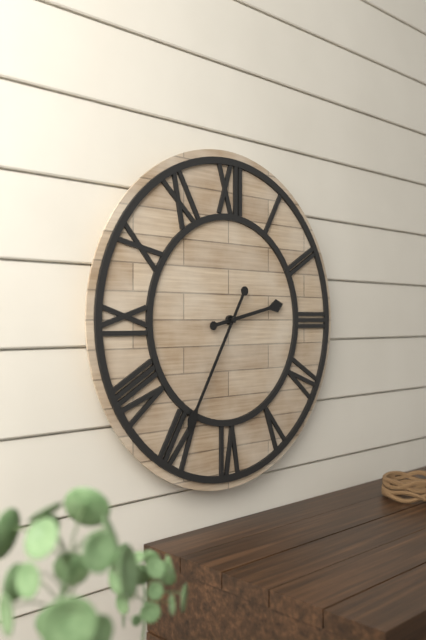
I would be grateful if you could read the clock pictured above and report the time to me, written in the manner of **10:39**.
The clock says **2:35**
